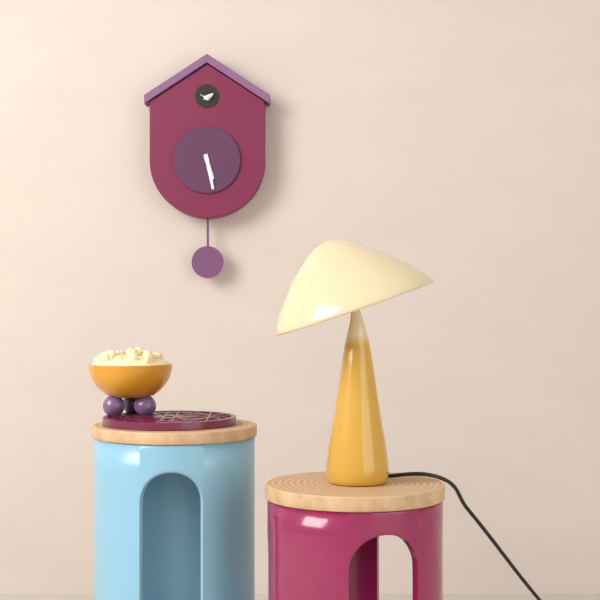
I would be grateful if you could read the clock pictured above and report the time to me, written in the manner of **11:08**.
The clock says **5:28**
